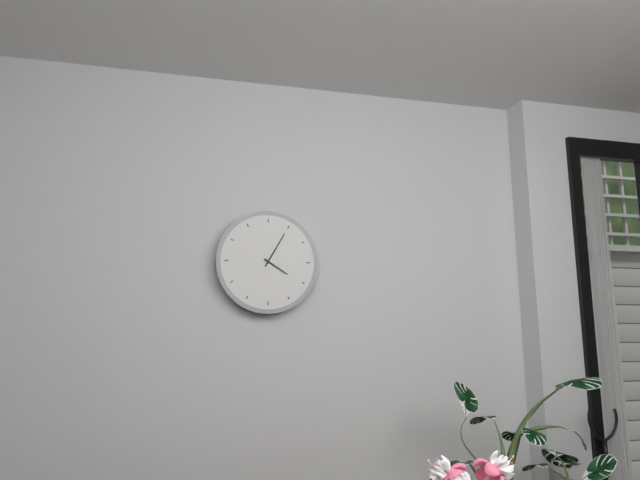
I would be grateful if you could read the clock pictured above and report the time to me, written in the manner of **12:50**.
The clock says **4:05**
